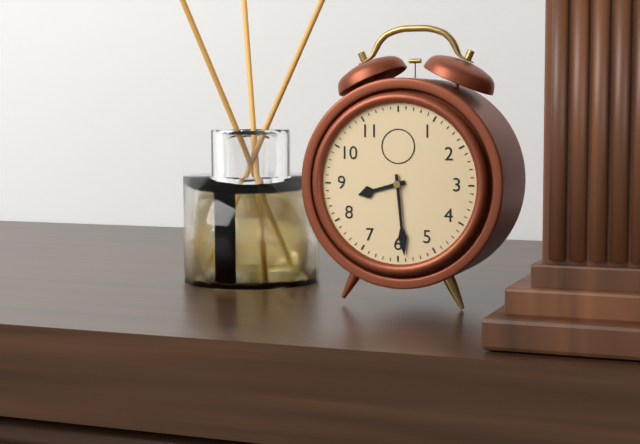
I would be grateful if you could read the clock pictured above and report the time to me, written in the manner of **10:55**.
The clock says **8:29**
